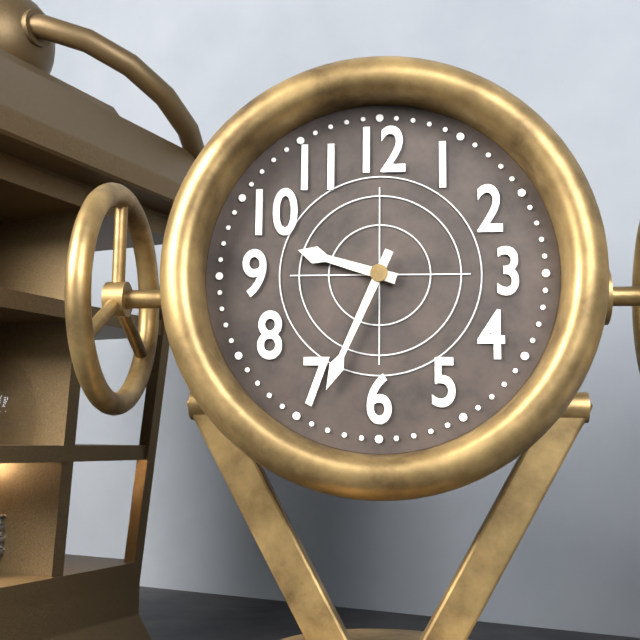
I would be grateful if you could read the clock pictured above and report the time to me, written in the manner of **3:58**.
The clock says **9:34**
